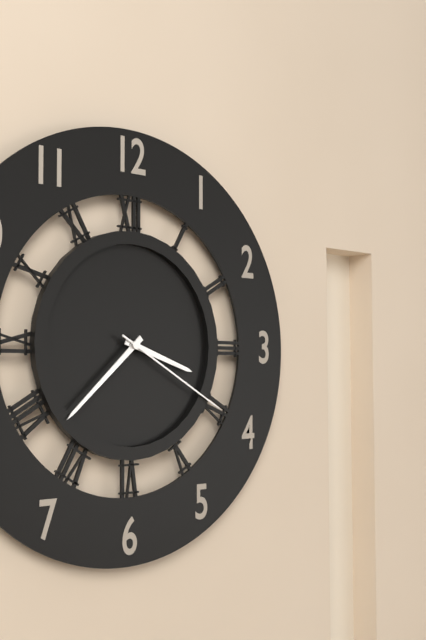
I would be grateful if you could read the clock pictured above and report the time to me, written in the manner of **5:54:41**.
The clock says **3:38:20**
